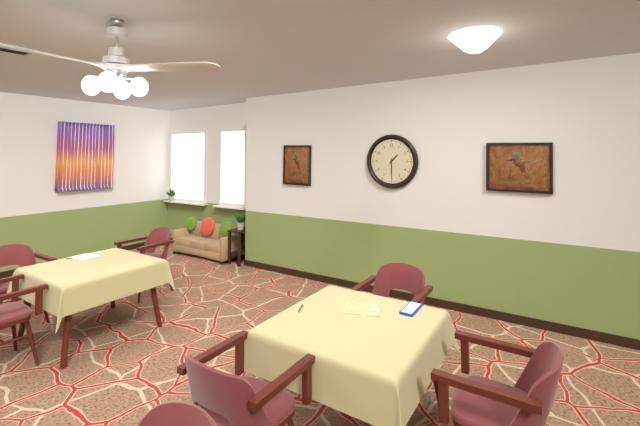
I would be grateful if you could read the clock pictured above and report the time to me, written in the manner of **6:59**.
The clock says **1:30**
